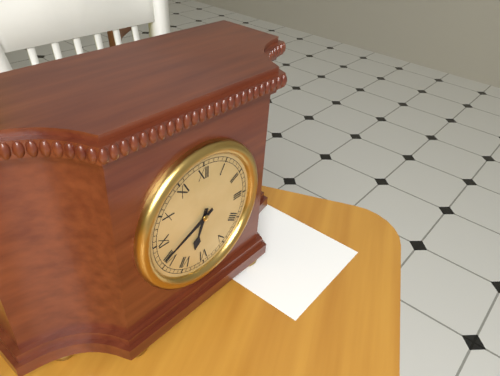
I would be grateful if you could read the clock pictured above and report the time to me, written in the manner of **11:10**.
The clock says **6:41**
